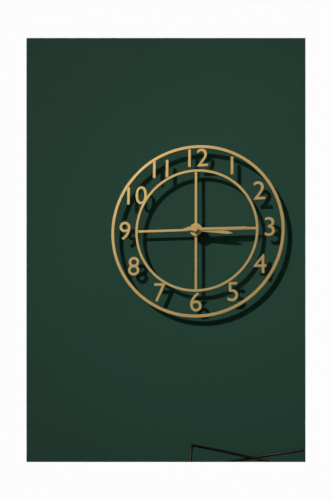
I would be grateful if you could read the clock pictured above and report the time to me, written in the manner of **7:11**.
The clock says **3:15**
